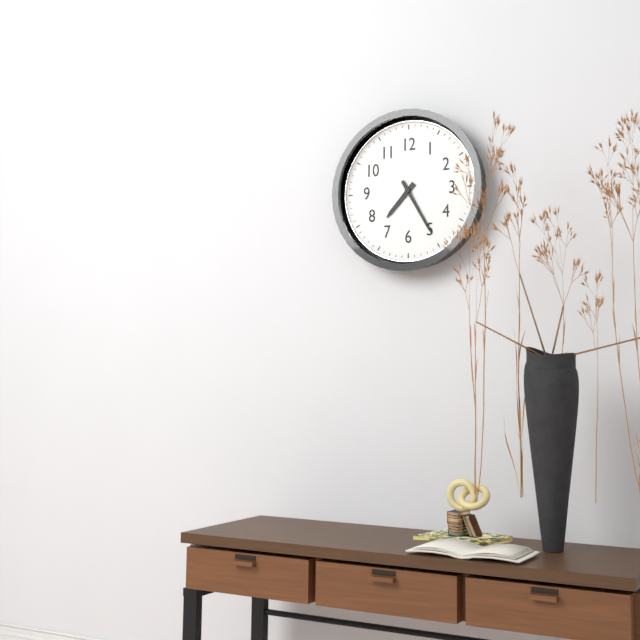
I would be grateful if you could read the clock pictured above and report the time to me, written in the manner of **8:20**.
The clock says **7:25**
